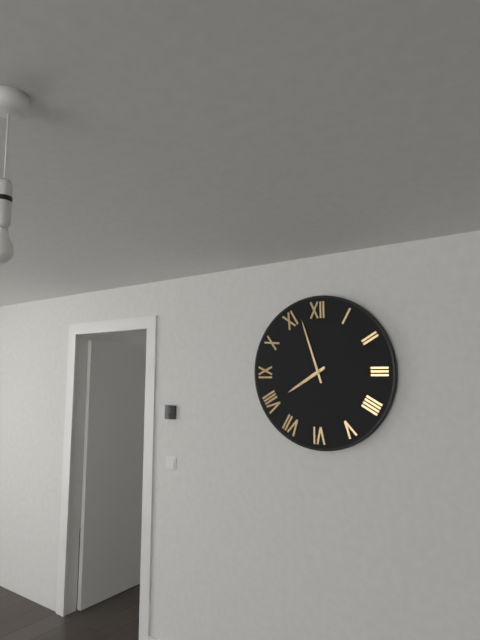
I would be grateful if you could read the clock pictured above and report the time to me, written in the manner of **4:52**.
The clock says **7:57**
